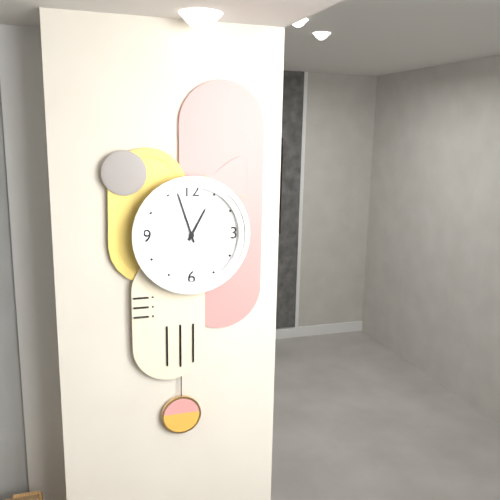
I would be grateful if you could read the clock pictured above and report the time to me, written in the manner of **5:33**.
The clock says **12:57**
